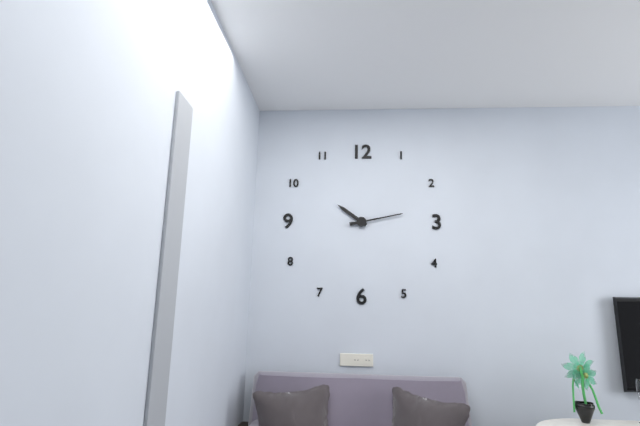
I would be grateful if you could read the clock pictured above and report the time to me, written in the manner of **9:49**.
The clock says **10:13**
